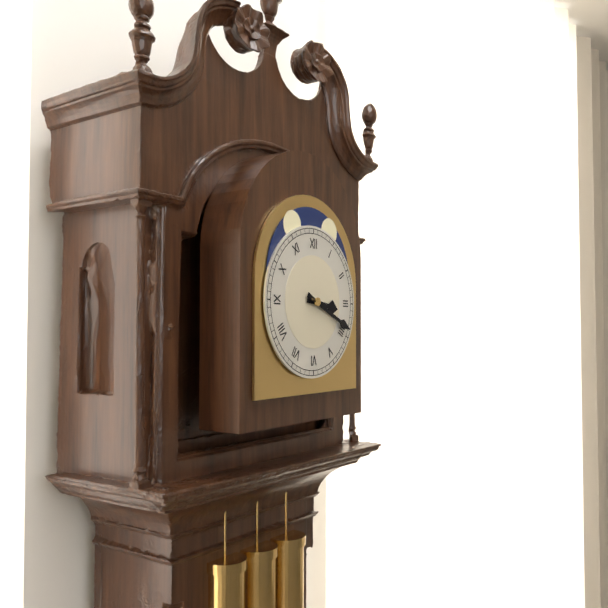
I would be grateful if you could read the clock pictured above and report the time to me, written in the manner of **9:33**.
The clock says **3:19**
